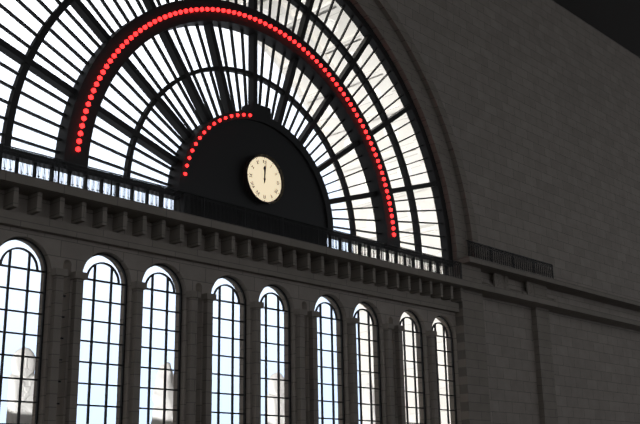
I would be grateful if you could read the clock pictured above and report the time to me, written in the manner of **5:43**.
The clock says **12:01**
